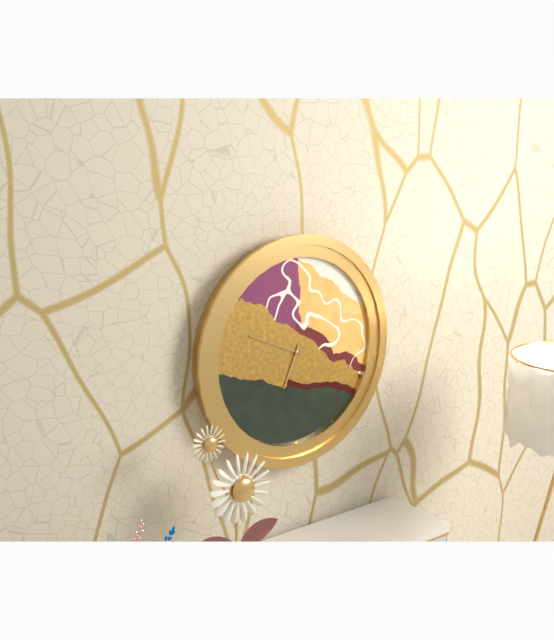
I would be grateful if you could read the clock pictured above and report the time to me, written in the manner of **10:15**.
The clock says **6:49**
